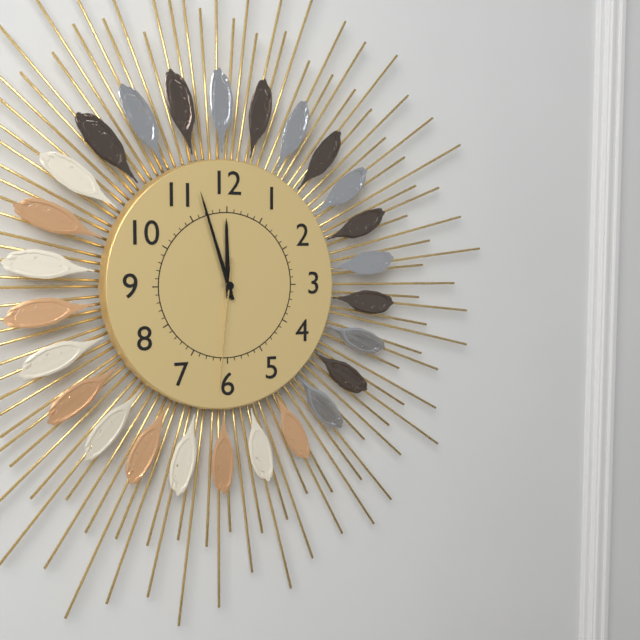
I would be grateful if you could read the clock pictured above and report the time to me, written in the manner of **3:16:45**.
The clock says **11:57:31**
